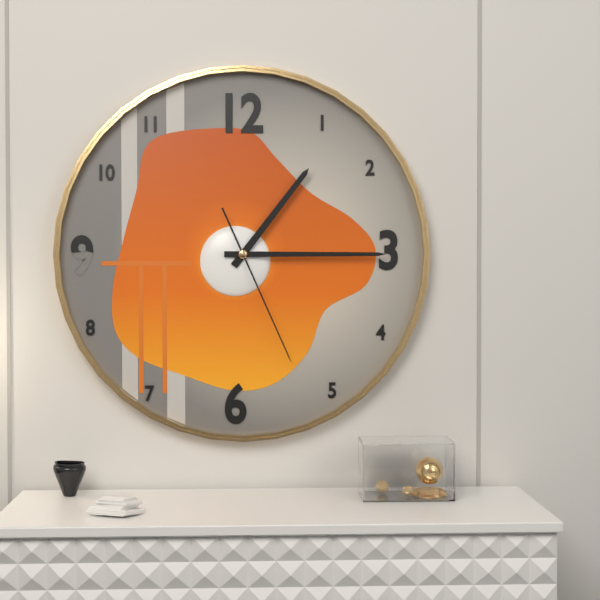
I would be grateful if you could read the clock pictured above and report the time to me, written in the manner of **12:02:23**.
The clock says **1:15:26**
